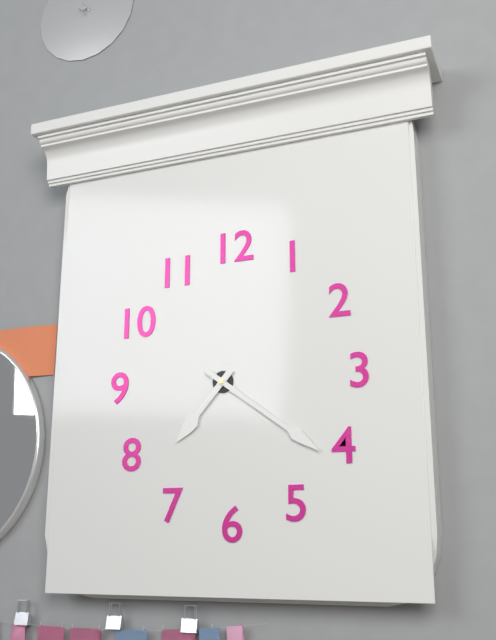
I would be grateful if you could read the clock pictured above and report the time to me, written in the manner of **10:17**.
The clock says **7:21**
